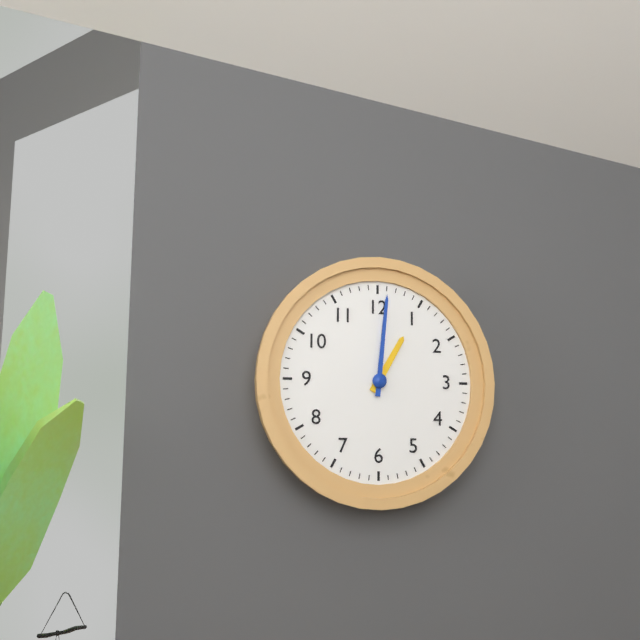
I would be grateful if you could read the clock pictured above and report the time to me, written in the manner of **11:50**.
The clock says **1:01**
